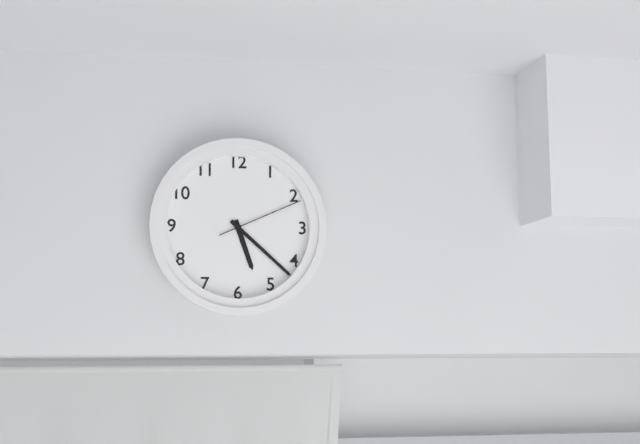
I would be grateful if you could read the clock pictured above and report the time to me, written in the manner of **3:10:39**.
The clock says **5:22:11**
